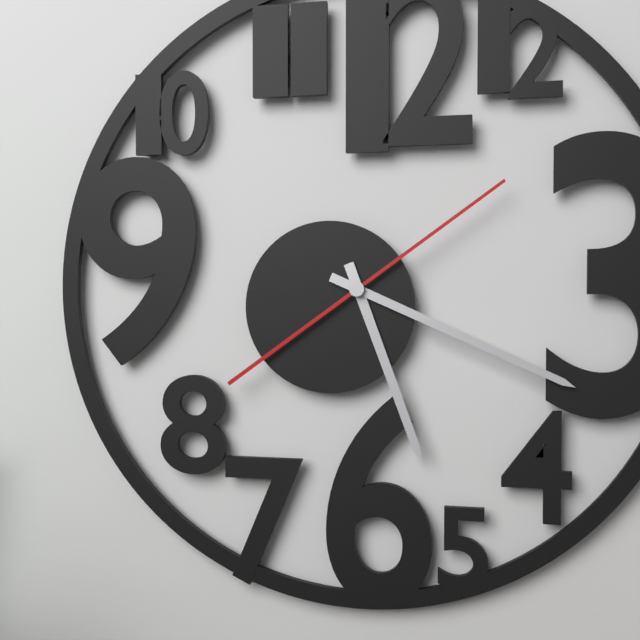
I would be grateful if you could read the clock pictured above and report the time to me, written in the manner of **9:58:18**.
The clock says **5:19:09**
